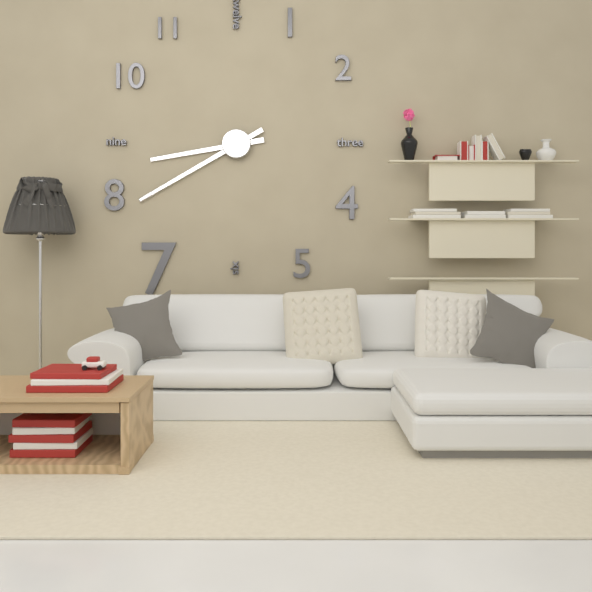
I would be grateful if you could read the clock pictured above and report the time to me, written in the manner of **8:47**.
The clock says **8:40**
